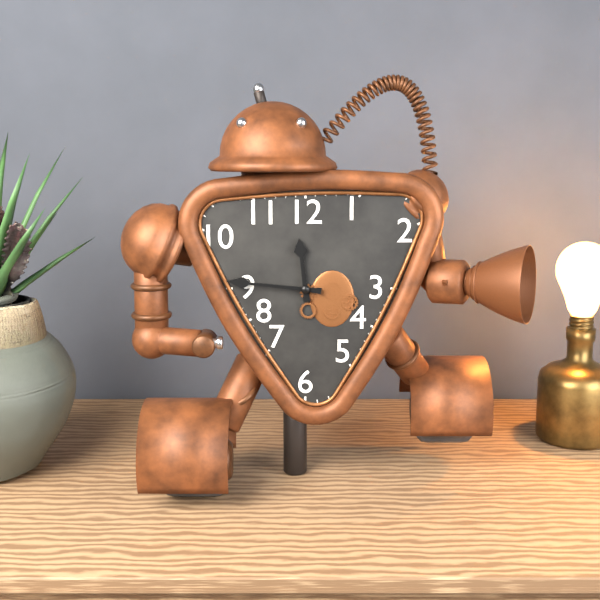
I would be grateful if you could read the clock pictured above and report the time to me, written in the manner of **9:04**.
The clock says **11:46**
